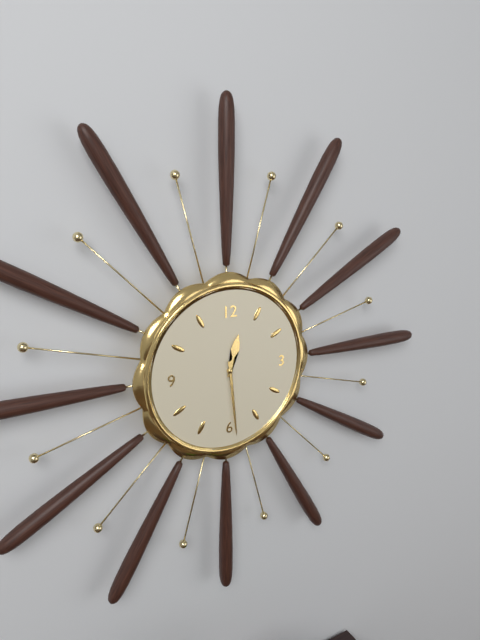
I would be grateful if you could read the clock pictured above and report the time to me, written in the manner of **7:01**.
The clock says **12:29**
